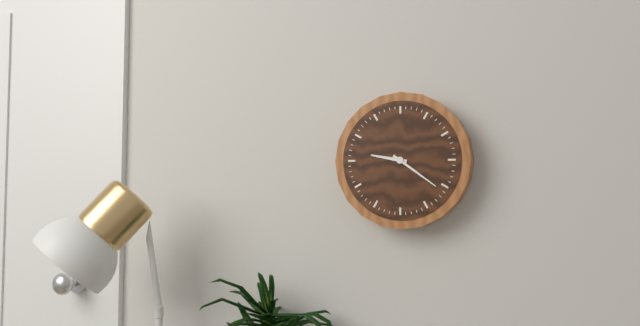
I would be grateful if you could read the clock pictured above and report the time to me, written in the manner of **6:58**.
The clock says **9:21**
